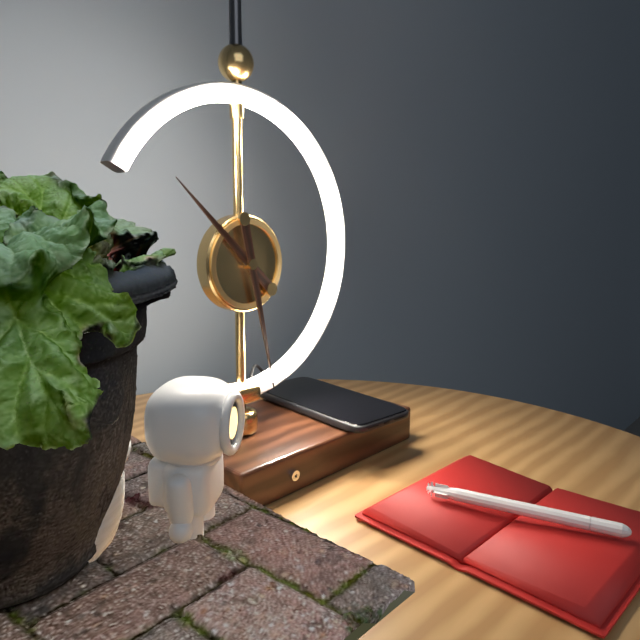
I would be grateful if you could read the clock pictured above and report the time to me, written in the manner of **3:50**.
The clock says **10:28**
